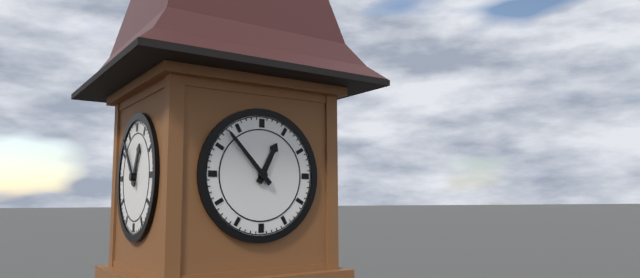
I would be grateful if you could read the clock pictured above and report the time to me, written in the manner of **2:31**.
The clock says **12:53**
